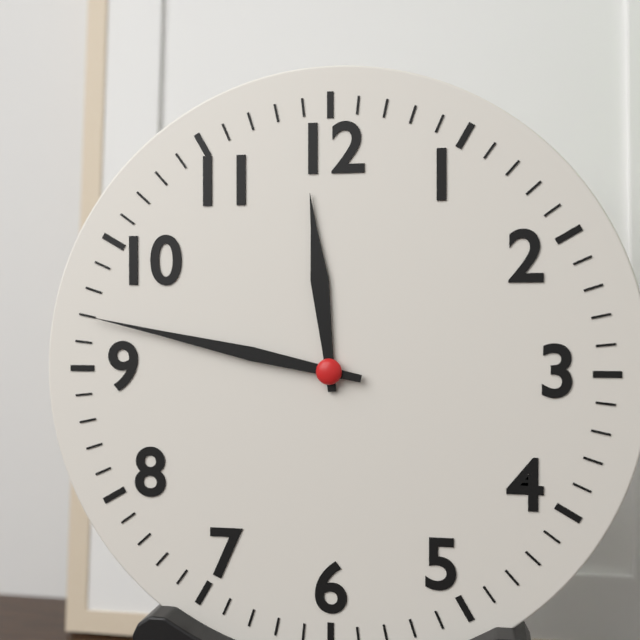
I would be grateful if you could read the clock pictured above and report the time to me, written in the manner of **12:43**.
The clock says **11:47**
